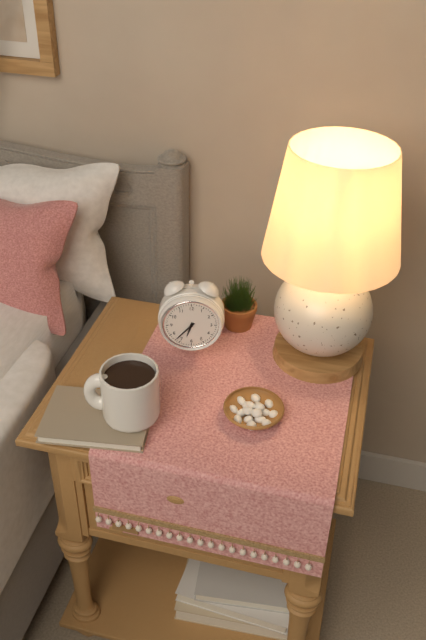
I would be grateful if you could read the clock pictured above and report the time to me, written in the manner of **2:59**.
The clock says **6:37**
